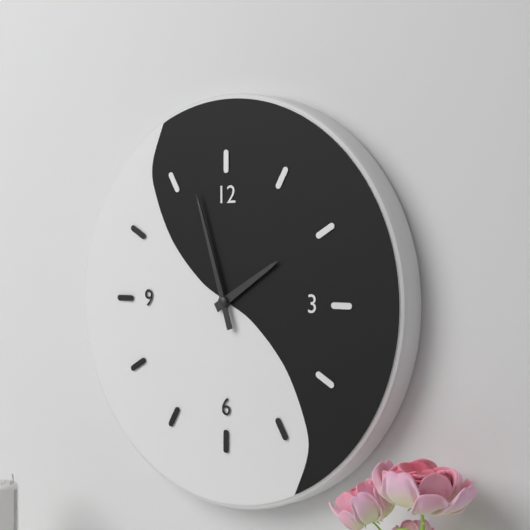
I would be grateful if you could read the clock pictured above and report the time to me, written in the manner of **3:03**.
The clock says **1:57**
